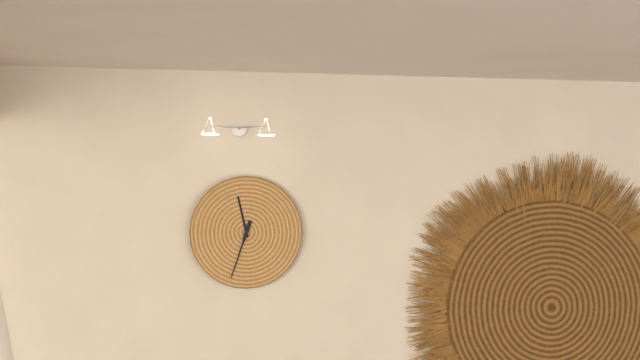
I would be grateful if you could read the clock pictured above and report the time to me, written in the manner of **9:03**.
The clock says **11:33**
